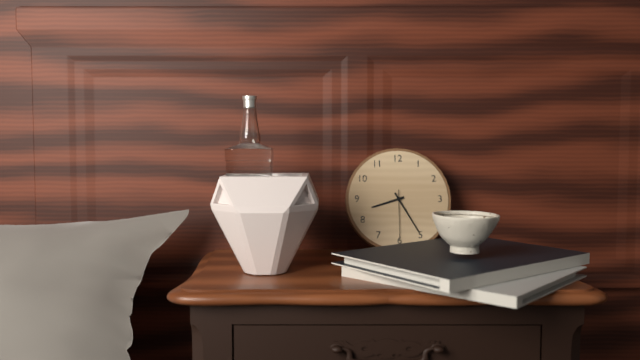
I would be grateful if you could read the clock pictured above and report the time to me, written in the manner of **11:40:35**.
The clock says **8:25:30**
